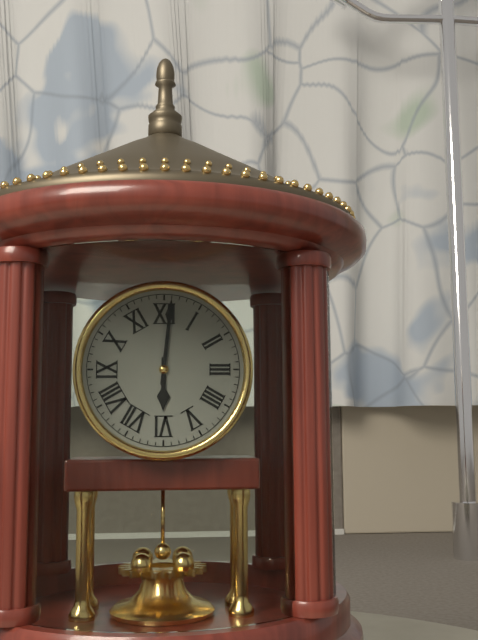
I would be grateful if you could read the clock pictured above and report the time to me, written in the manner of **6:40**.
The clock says **6:01**
